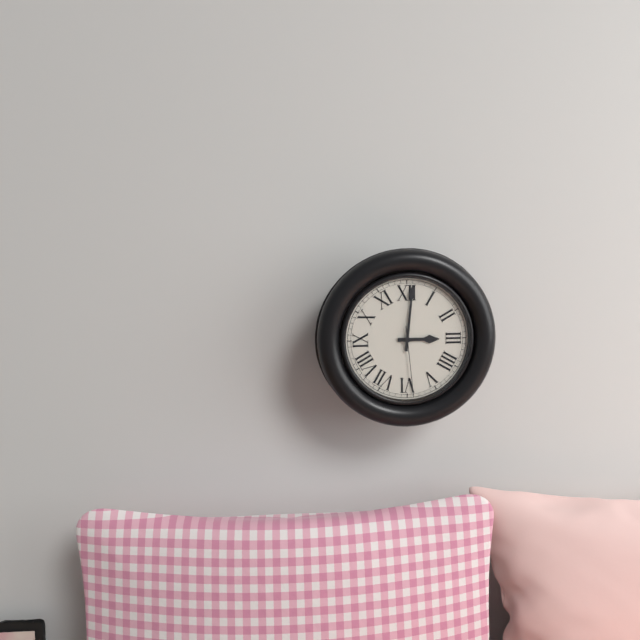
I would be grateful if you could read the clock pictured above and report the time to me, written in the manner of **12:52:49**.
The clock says **3:01:29**
